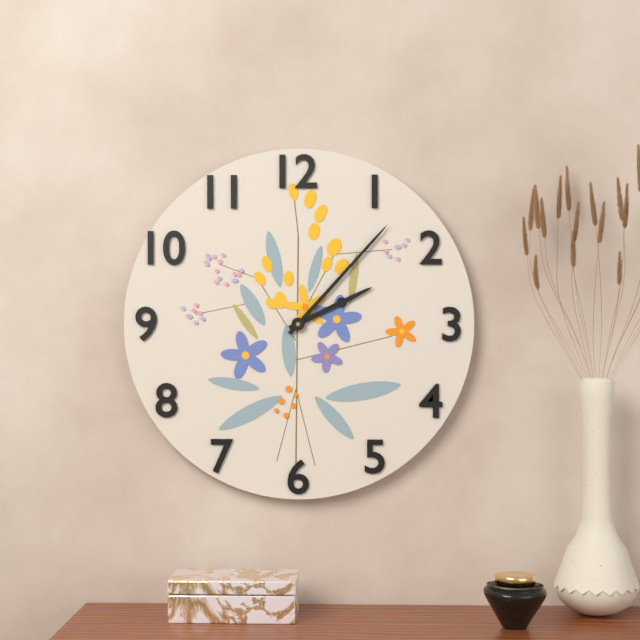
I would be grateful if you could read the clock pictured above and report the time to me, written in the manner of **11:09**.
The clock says **2:07**
